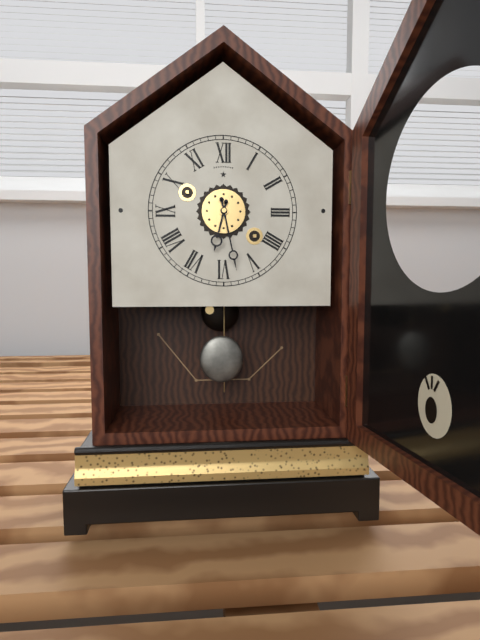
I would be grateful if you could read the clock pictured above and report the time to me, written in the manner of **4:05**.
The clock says **6:28**
